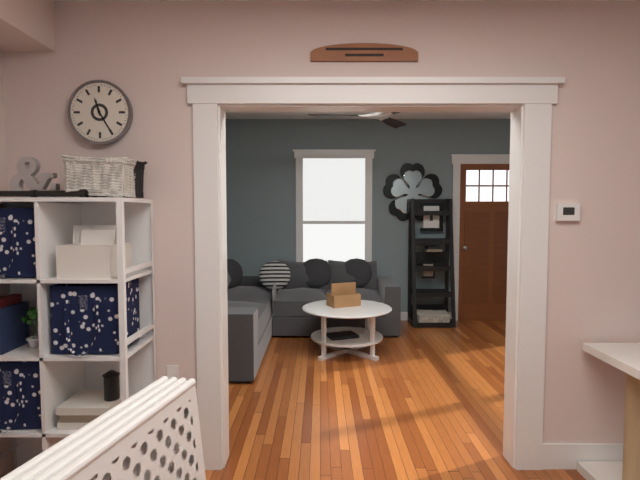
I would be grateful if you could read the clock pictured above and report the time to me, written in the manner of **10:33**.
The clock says **11:25**
